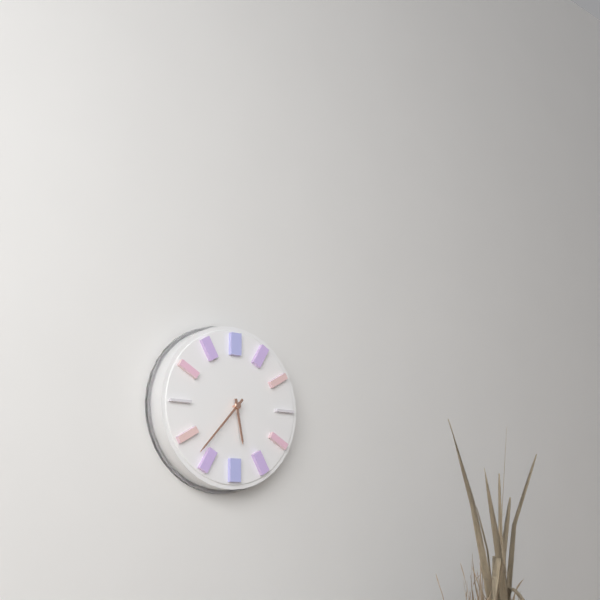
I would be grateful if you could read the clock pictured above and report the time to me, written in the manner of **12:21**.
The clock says **5:37**
